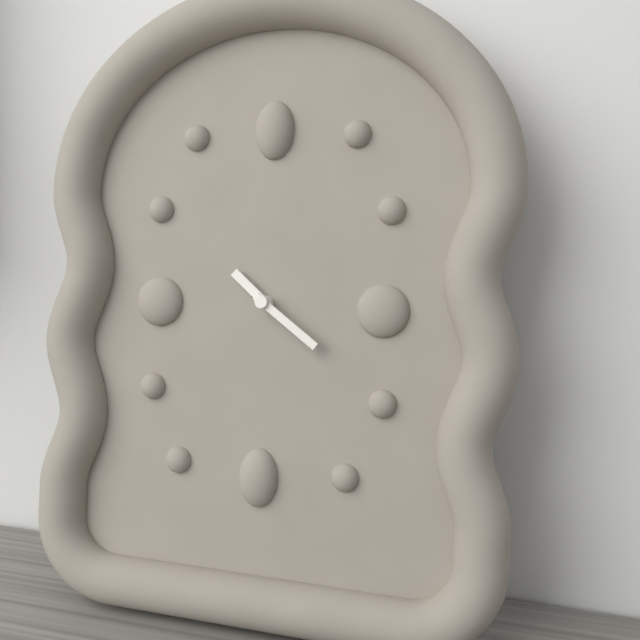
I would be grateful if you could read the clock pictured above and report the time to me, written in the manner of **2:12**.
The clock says **10:21**
